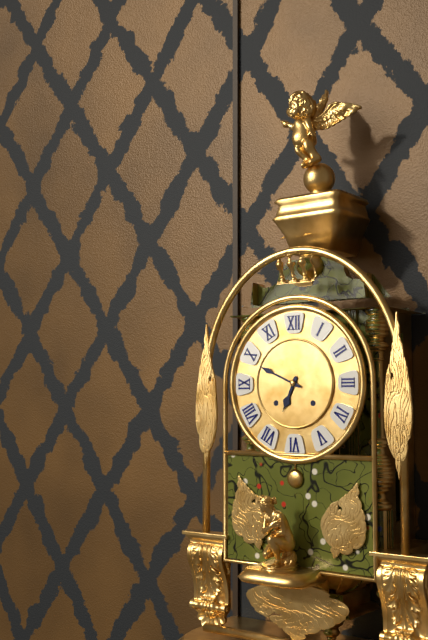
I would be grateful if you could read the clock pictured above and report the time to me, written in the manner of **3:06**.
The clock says **6:49**
